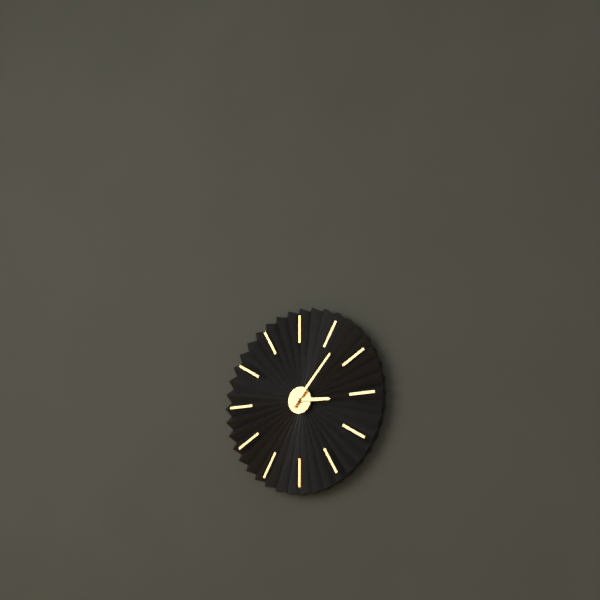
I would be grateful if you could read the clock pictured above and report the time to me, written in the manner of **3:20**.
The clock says **3:07**
